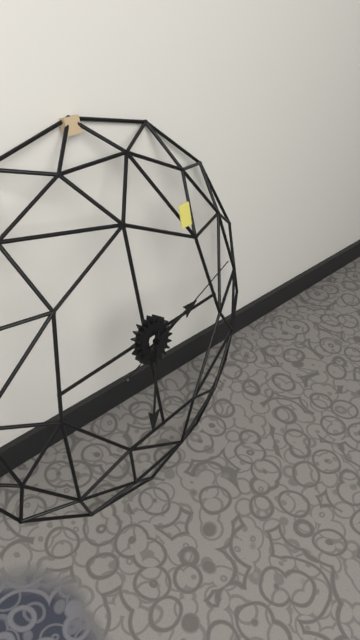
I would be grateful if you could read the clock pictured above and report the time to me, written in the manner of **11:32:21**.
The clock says **2:33:12**
